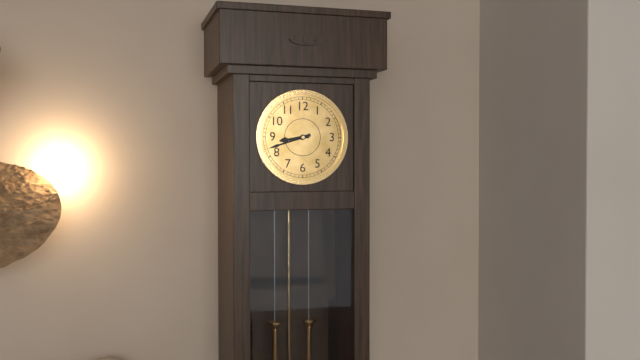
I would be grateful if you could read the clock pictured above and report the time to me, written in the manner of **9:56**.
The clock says **8:42**
